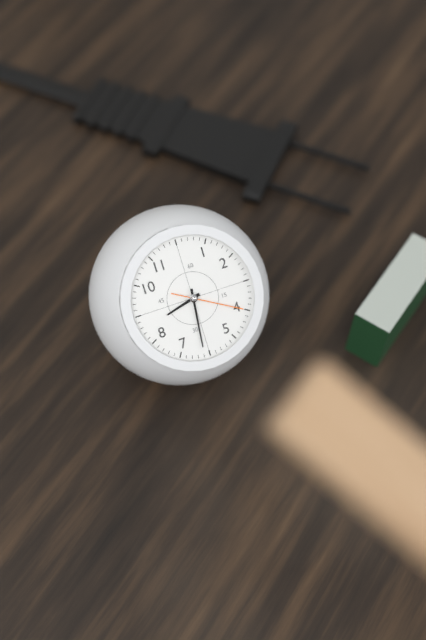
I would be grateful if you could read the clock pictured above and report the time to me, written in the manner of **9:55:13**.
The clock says **8:31:20**
